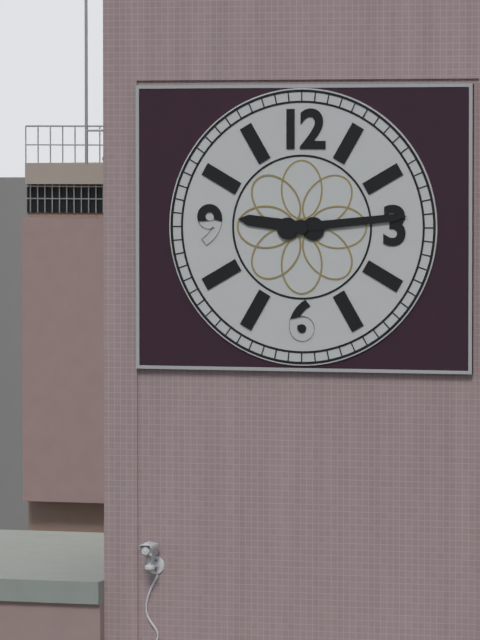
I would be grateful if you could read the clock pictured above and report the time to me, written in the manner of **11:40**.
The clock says **9:14**
